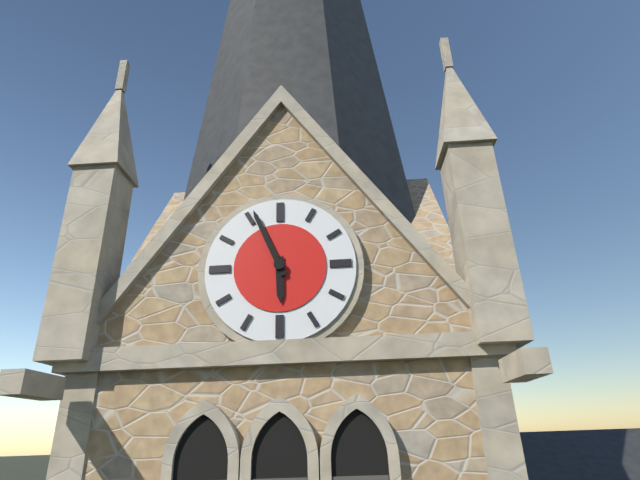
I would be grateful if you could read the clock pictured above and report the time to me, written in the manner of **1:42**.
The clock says **5:56**
